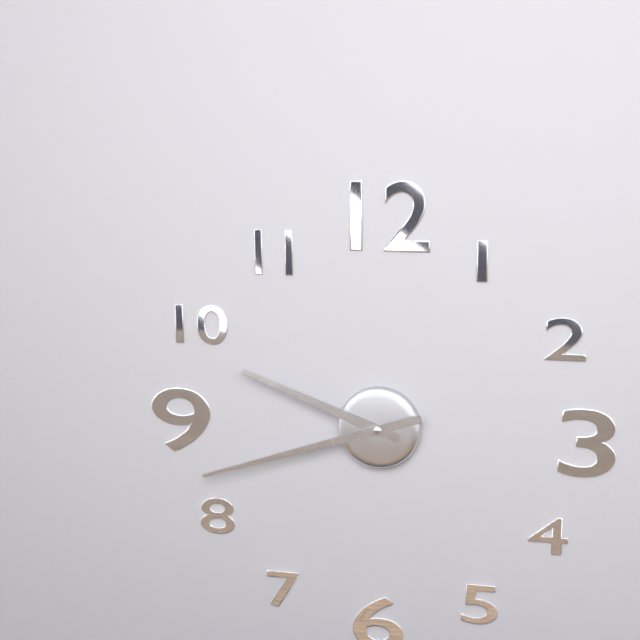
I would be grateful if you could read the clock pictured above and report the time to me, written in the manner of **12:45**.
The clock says **9:42**
